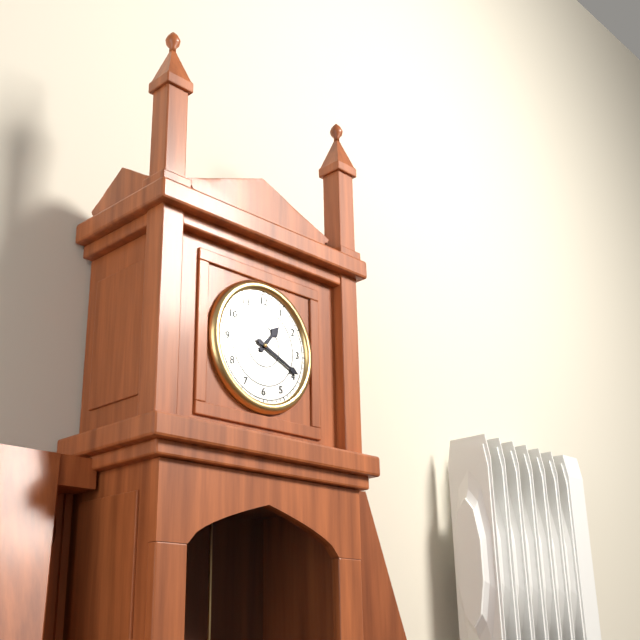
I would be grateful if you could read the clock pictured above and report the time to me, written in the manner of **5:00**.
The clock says **1:19**
